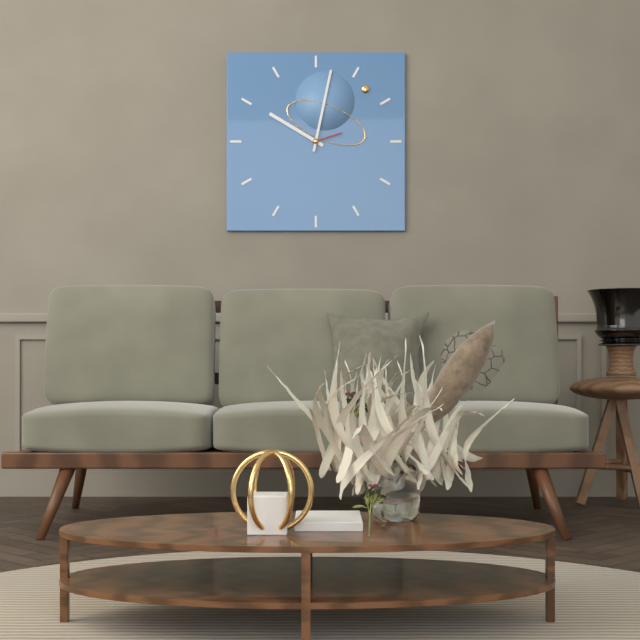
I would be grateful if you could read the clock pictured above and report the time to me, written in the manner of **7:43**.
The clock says **10:02**
